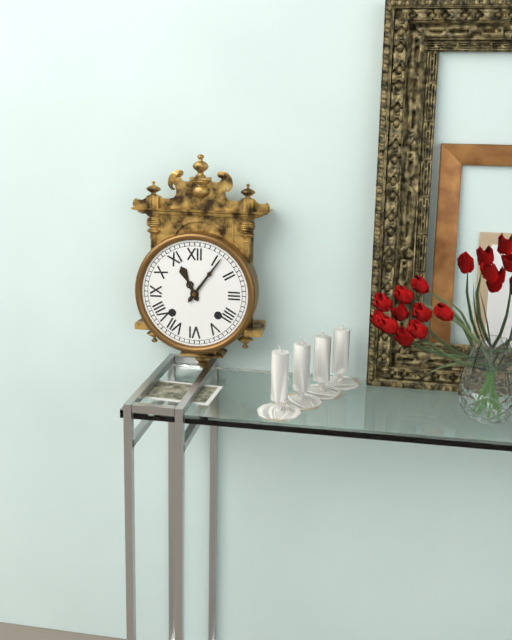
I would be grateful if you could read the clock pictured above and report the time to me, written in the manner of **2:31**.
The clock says **11:06**
